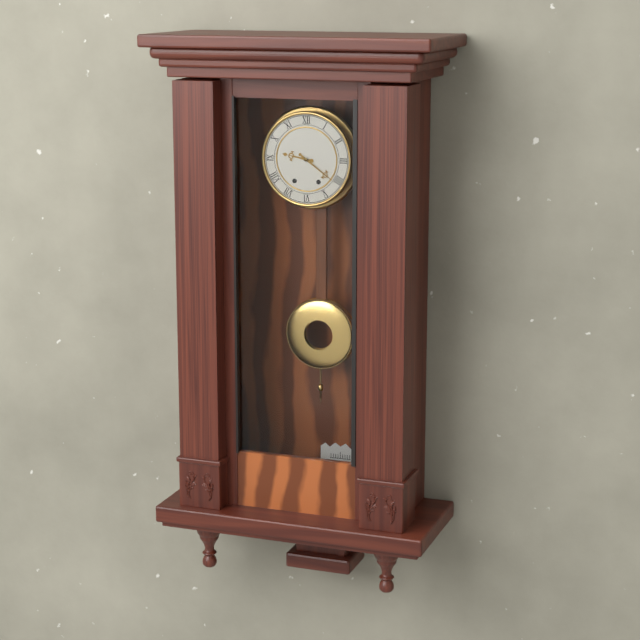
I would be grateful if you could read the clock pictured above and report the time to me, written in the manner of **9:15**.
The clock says **9:21**
